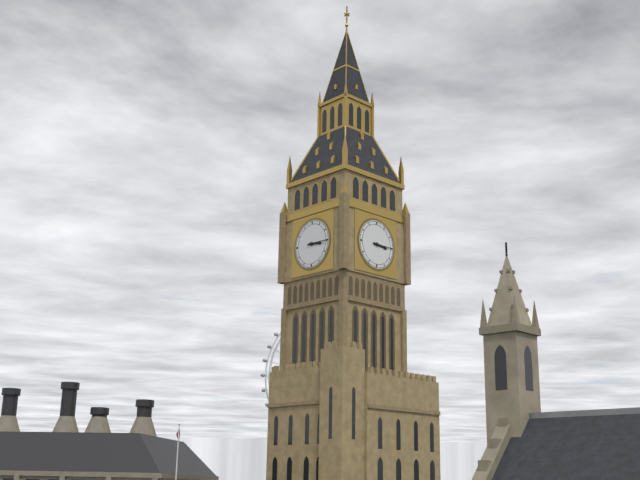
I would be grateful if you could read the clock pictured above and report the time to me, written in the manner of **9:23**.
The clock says **3:15**
